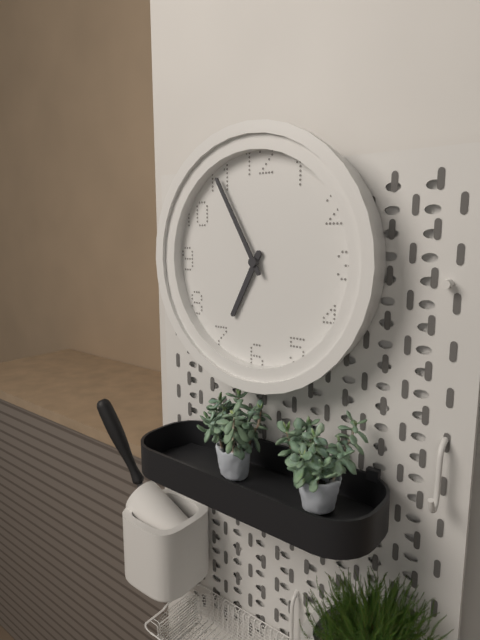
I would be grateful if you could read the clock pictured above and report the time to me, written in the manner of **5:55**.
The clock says **6:55**
